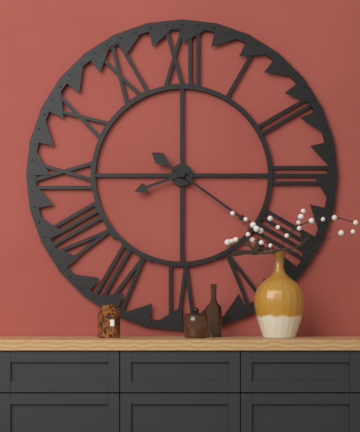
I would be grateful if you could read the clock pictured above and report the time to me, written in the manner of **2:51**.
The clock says **8:21**
